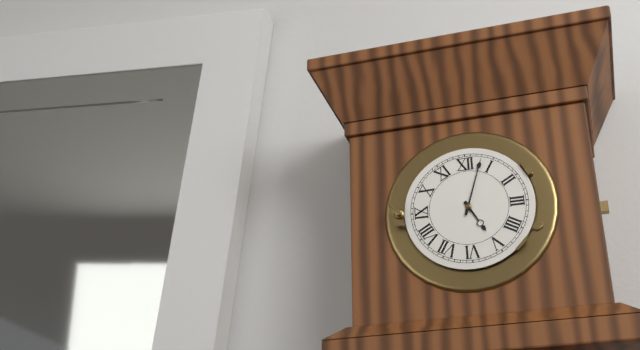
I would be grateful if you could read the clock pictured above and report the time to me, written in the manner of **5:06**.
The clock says **5:03**
